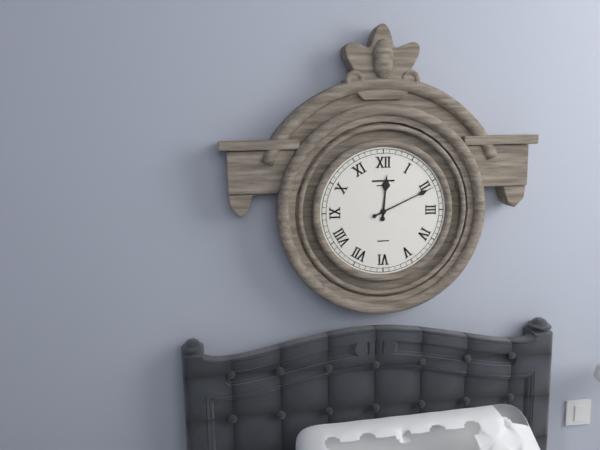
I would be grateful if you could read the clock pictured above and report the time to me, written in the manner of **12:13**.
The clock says **12:11**
